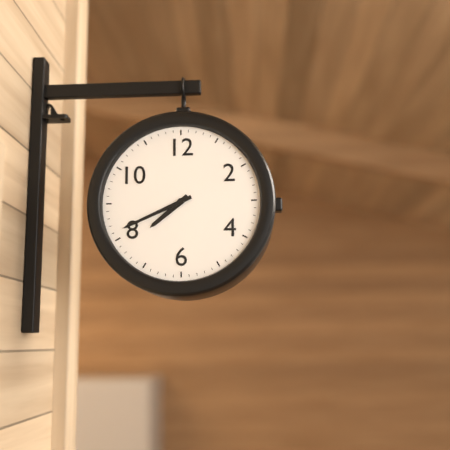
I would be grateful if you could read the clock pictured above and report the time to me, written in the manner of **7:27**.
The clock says **7:41**
